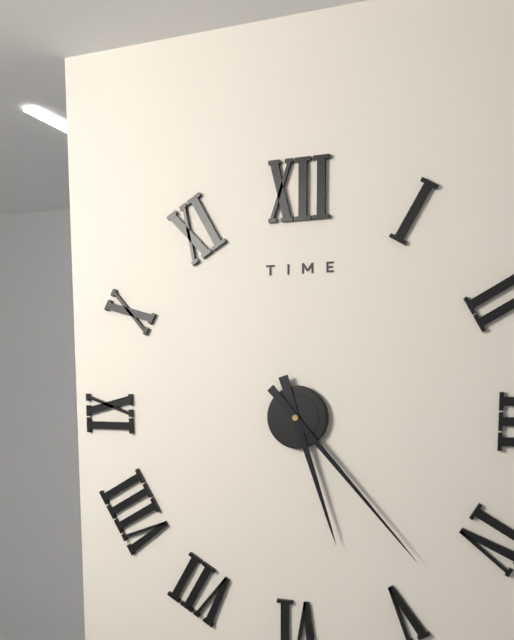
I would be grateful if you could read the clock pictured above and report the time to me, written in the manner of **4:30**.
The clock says **5:23**
